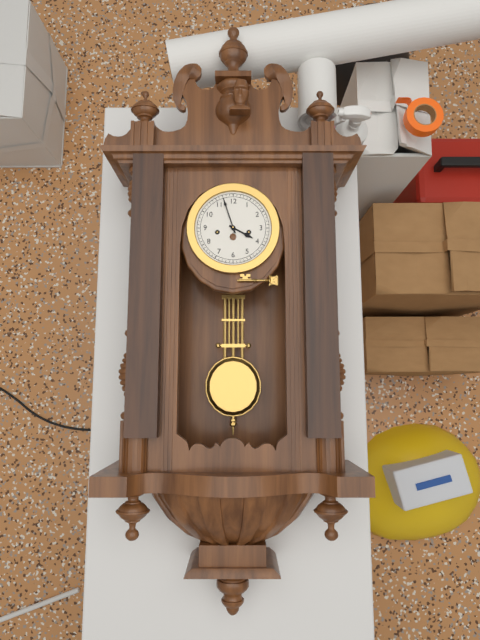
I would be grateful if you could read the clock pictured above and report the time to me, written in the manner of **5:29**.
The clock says **3:57**
